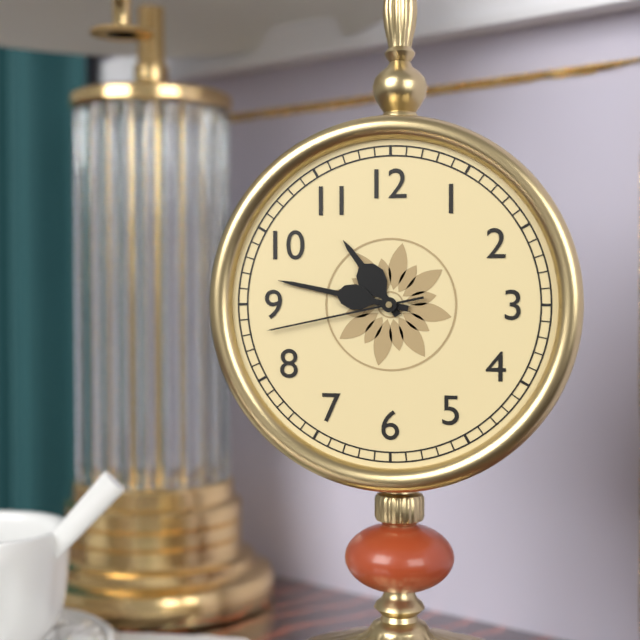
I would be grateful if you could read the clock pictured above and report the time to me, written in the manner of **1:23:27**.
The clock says **10:47:43**
